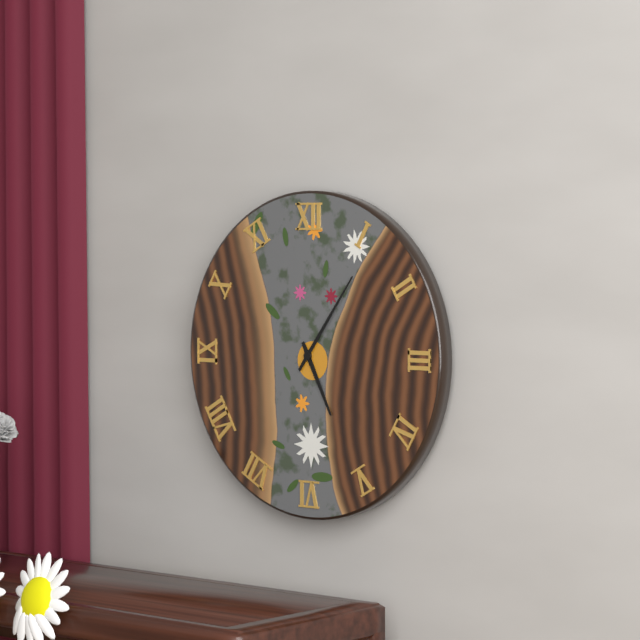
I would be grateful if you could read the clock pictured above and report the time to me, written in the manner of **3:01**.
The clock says **5:06**
